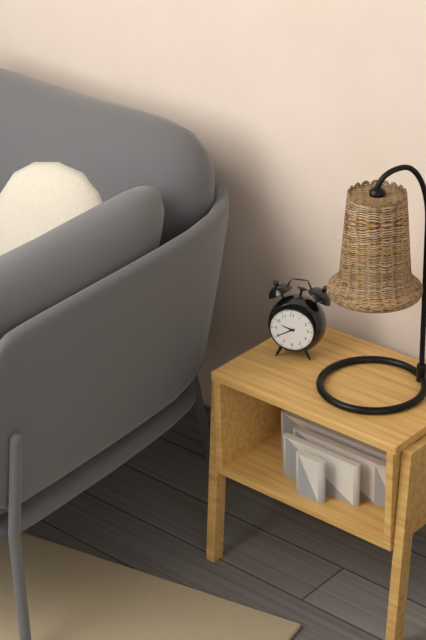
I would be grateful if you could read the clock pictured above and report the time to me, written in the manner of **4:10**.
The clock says **9:40**
